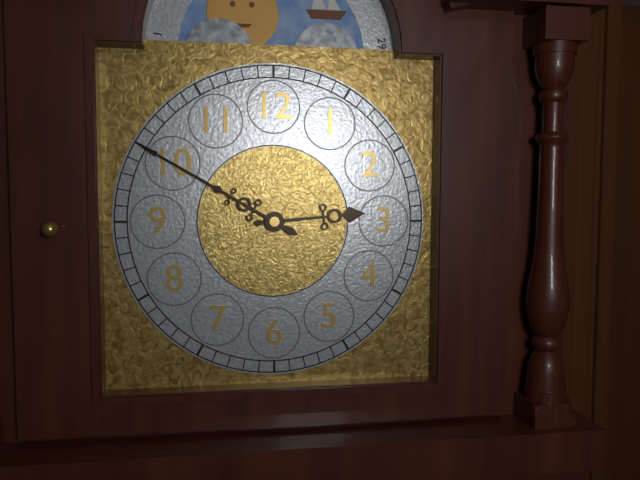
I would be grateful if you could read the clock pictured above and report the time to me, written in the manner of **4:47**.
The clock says **2:50**
